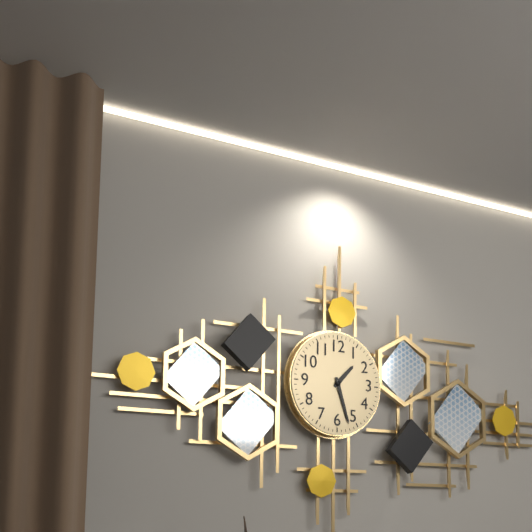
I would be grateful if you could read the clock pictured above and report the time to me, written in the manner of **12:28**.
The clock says **1:27**
